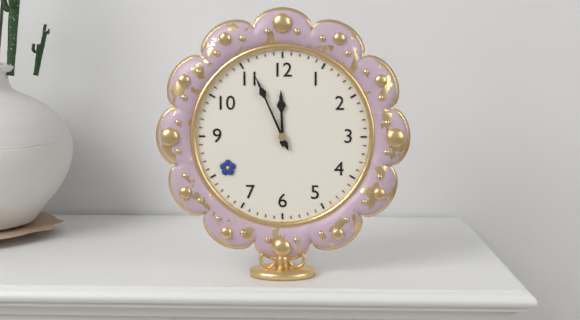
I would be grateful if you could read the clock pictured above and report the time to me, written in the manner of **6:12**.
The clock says **11:56**
